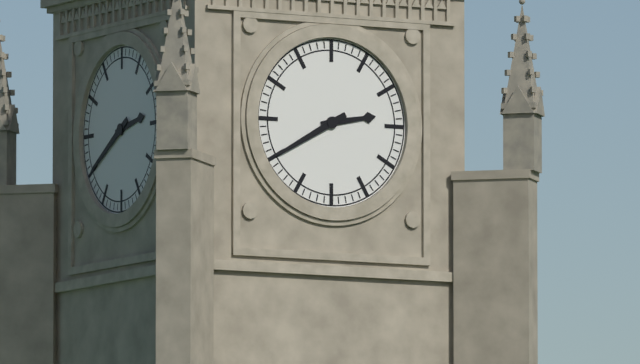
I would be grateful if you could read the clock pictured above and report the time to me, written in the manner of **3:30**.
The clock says **2:40**
